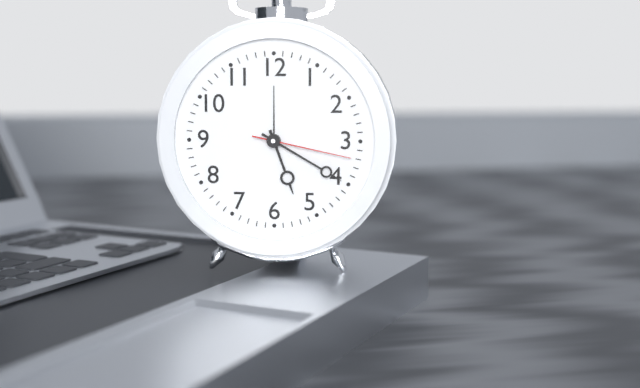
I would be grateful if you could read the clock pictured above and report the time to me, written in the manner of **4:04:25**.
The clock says **5:20:17**
